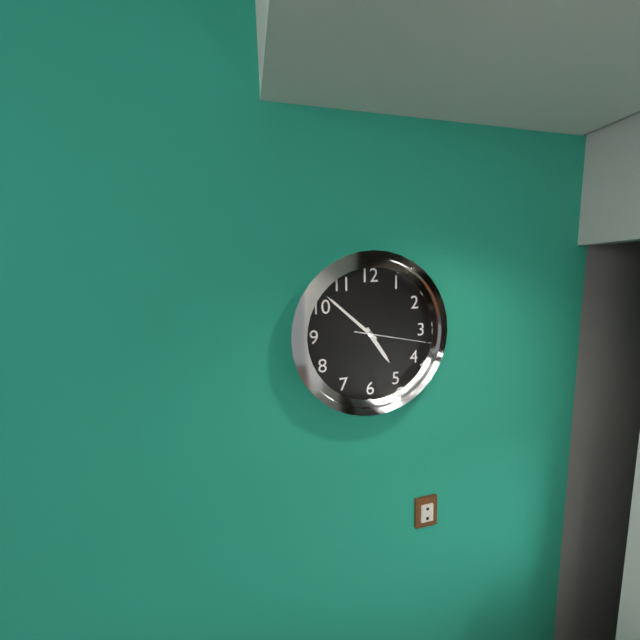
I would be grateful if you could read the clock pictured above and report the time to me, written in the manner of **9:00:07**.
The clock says **4:52:17**
